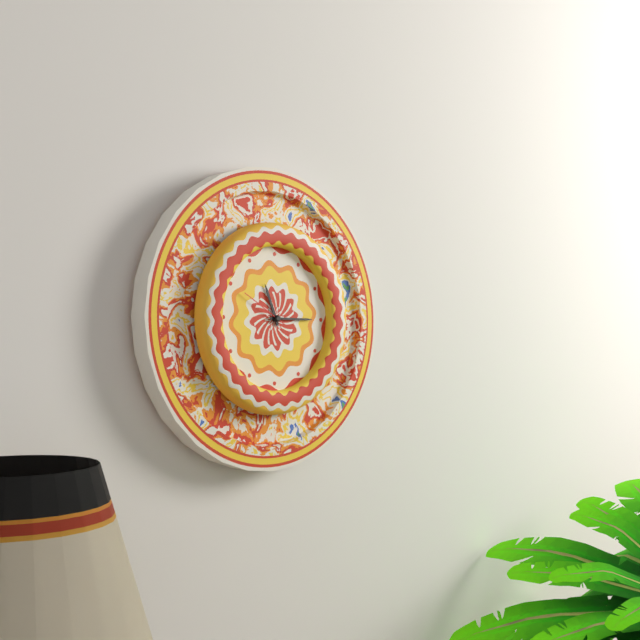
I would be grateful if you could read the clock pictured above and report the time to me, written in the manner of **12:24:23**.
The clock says **11:15:50**
